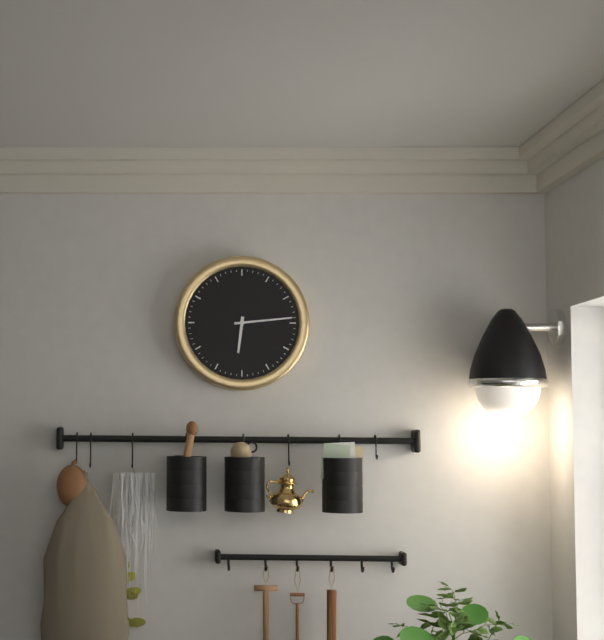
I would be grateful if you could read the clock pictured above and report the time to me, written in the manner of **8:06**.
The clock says **6:14**
